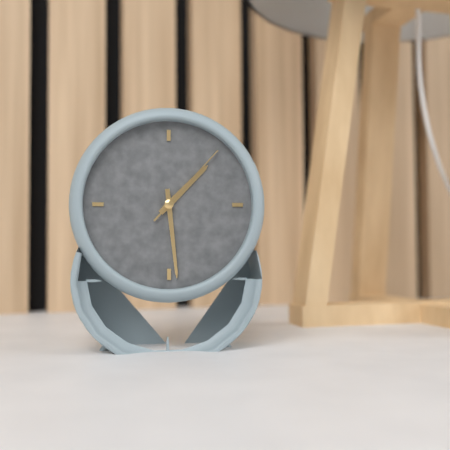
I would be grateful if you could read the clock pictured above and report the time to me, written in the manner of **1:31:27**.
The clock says **1:29:07**
